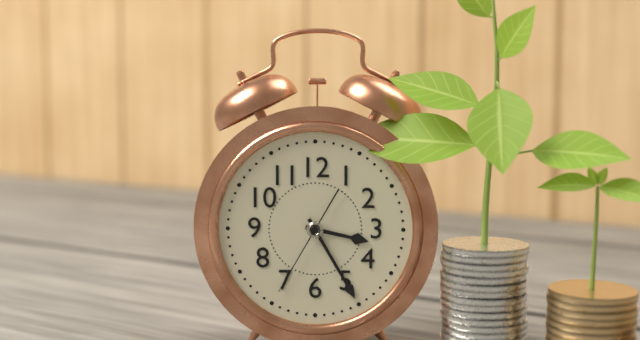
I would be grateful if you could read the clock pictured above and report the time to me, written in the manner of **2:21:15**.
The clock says **3:25:35**
